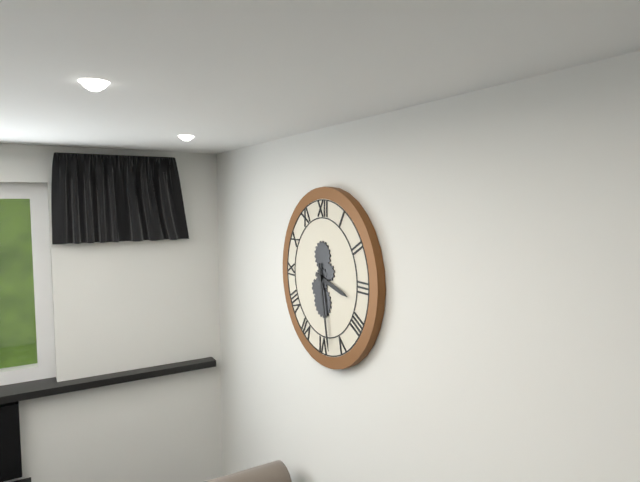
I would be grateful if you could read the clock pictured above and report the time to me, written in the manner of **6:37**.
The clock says **3:28**
